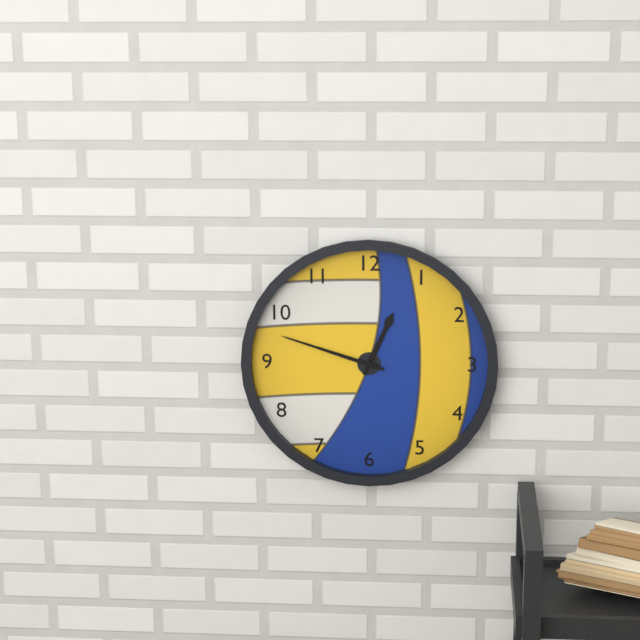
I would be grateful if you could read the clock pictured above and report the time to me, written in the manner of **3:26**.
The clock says **12:48**
